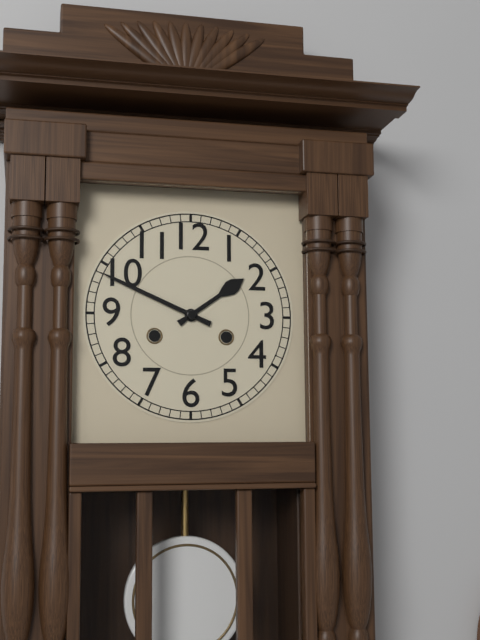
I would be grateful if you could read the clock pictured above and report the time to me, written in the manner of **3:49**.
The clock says **1:49**
